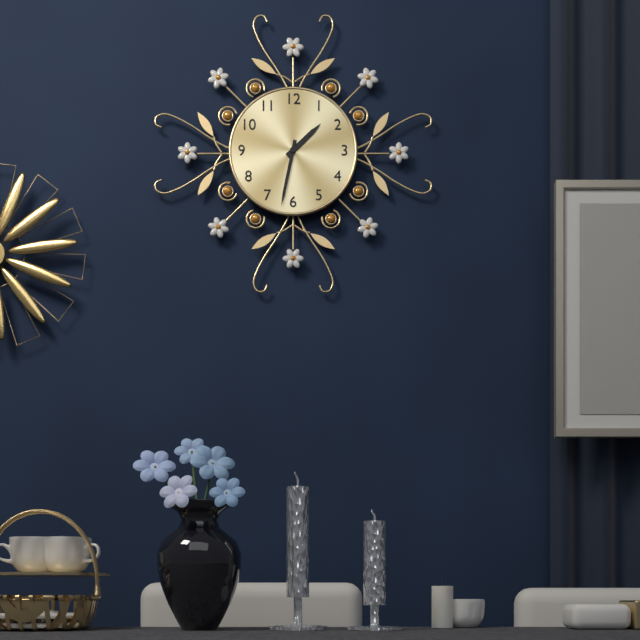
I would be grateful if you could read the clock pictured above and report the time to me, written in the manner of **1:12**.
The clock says **1:32**
